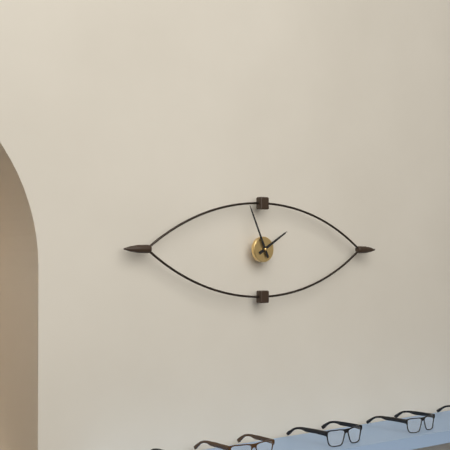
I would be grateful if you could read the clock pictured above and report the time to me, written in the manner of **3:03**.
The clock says **1:56**
